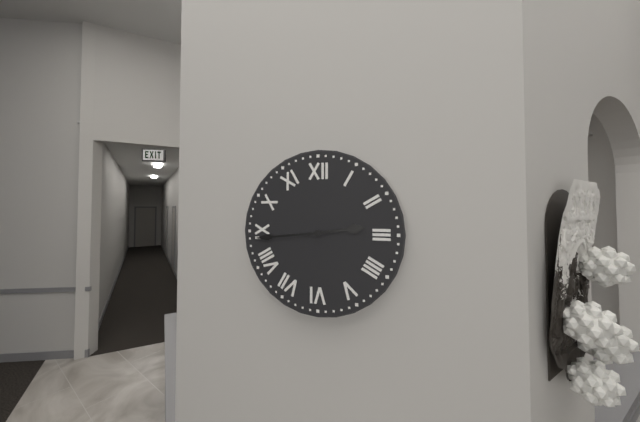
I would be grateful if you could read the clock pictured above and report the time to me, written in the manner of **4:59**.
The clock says **2:44**
